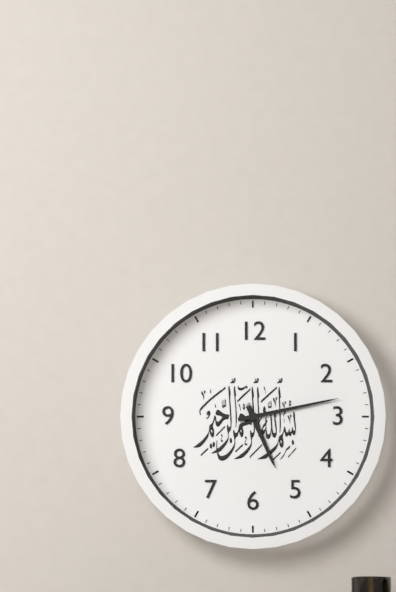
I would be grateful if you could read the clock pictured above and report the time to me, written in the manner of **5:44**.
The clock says **5:13**
